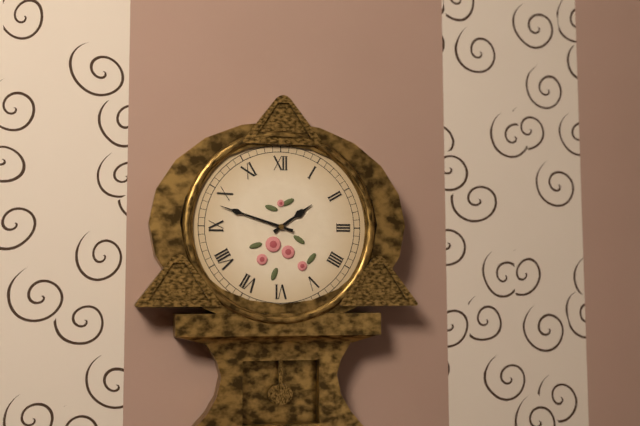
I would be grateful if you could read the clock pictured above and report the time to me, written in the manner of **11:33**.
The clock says **1:48**
